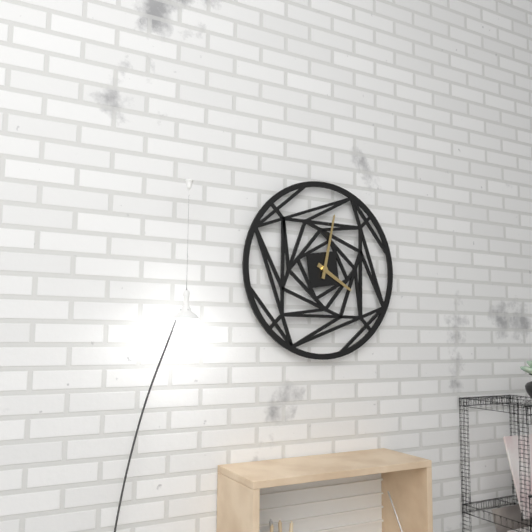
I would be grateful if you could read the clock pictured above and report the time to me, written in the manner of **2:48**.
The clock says **4:02**
